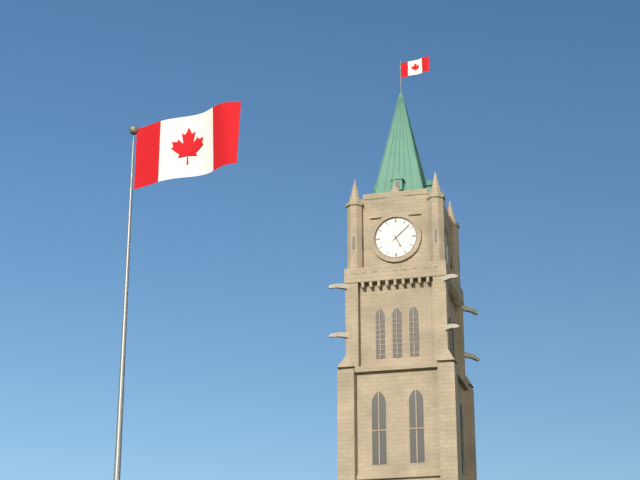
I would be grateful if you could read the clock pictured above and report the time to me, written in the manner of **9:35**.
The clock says **5:08**
